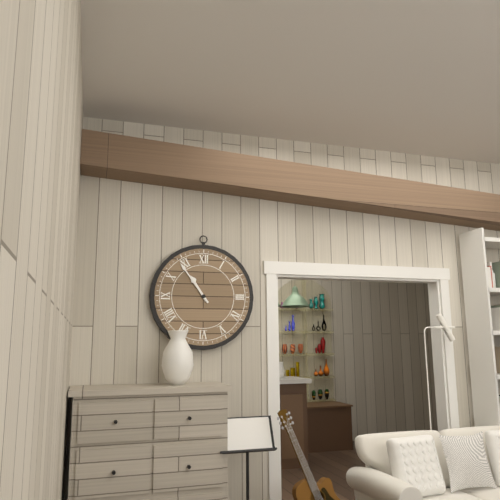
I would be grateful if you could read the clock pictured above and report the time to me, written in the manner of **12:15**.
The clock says **10:54**
